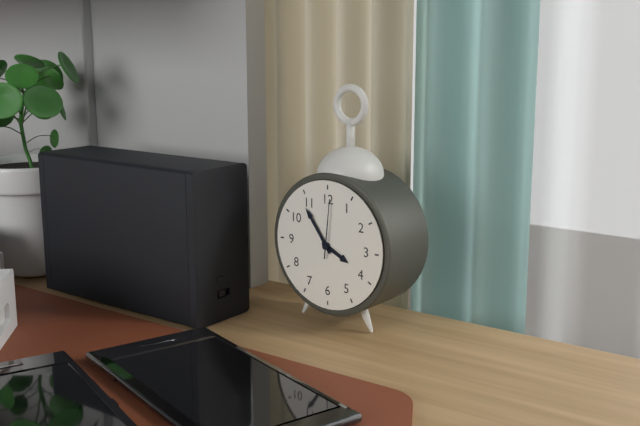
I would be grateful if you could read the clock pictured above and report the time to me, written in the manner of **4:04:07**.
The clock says **3:54:01**
